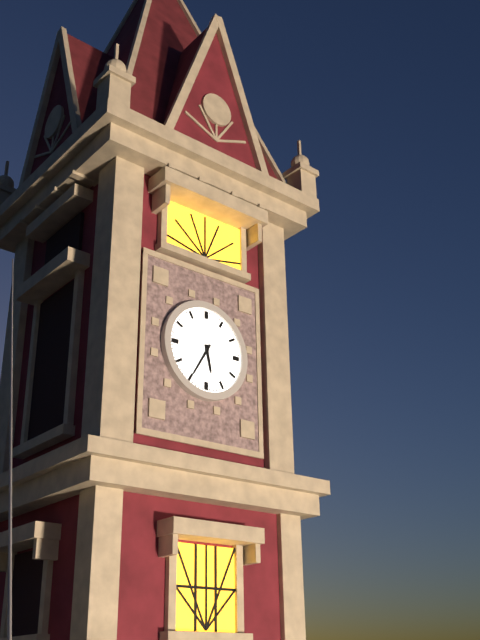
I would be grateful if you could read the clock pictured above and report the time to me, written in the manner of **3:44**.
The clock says **5:35**
